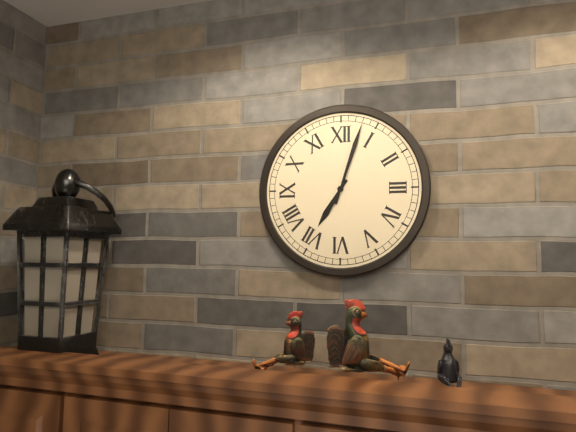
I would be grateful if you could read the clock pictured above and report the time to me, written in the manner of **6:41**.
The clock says **7:03**
